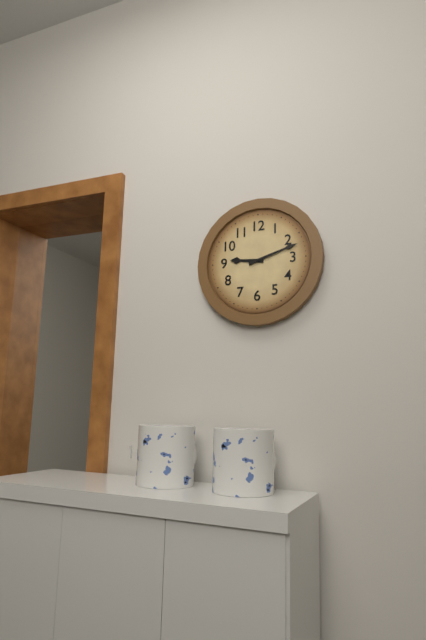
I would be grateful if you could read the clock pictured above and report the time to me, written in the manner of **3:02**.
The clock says **9:12**
